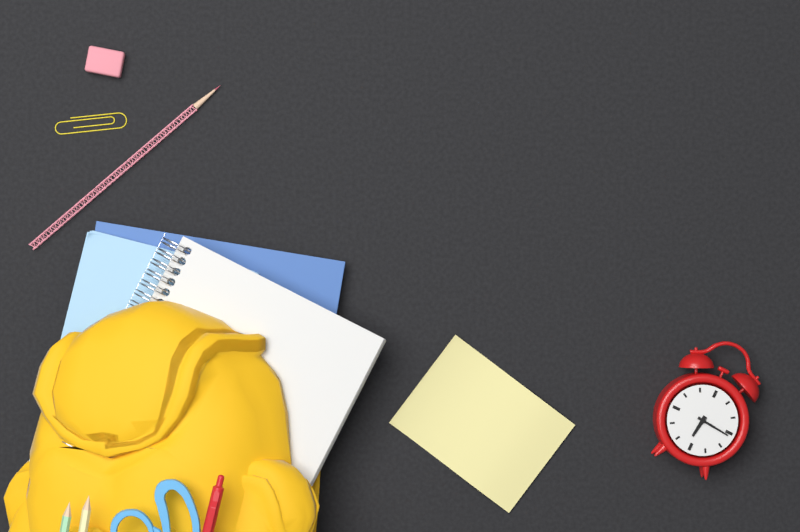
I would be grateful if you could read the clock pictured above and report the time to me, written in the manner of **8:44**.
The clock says **6:16**
